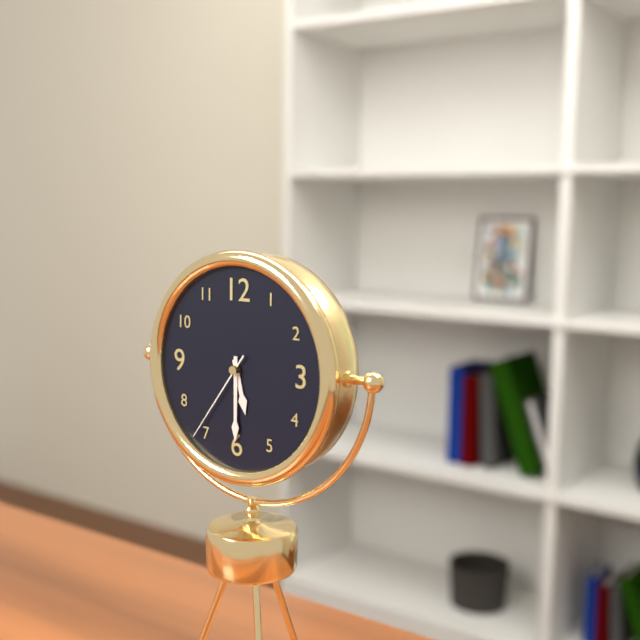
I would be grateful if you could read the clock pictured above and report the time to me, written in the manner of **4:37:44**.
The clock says **5:30:36**
